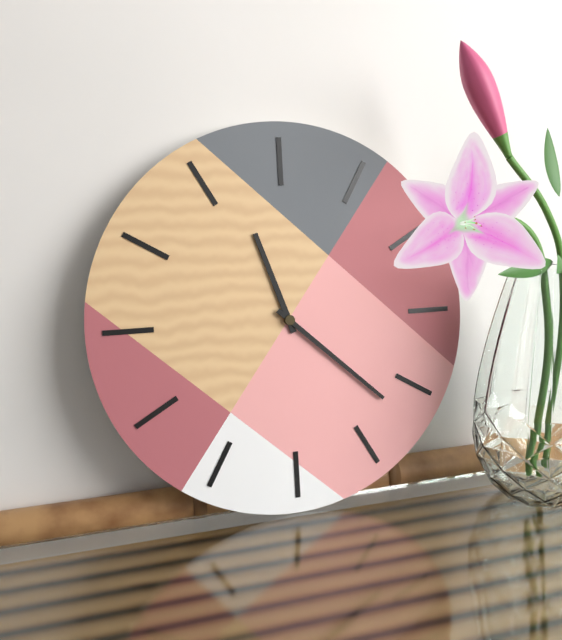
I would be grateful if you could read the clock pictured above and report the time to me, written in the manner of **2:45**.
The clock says **11:22**
